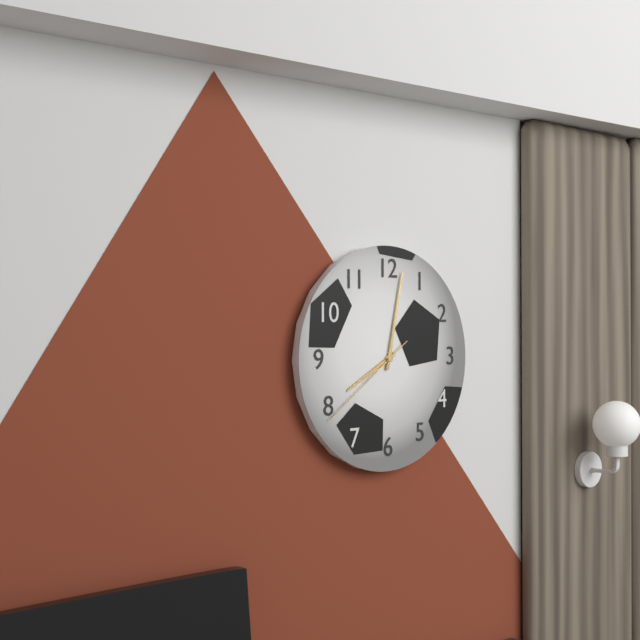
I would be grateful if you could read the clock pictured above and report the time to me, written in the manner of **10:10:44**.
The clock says **8:02:39**
